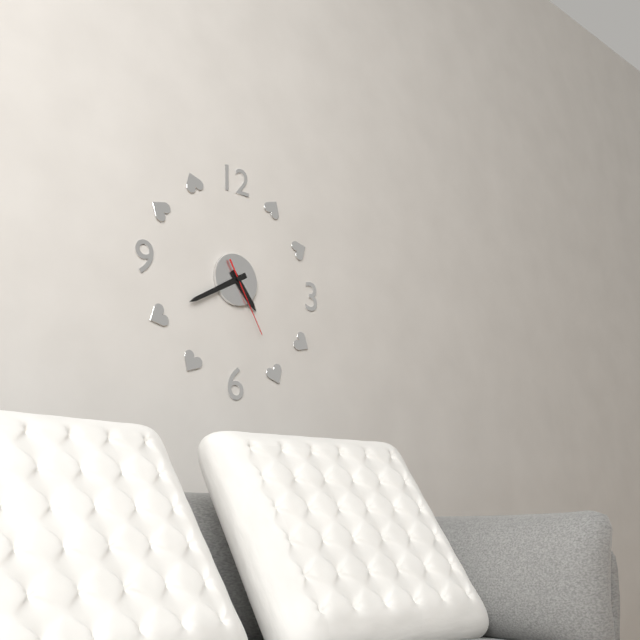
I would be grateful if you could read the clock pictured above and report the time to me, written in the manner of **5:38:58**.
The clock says **4:40:25**
